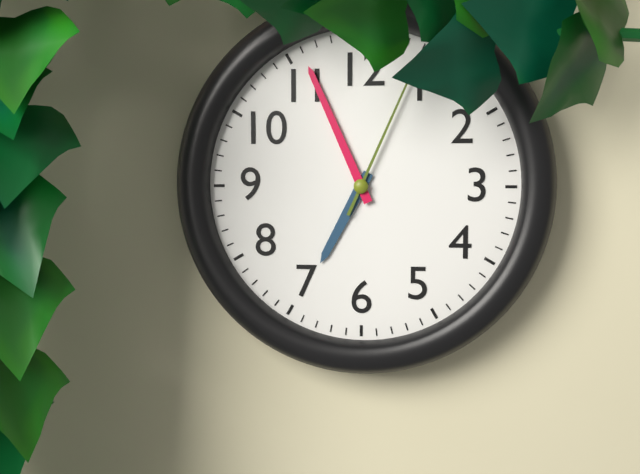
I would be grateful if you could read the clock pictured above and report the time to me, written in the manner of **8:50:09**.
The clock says **6:56:04**
